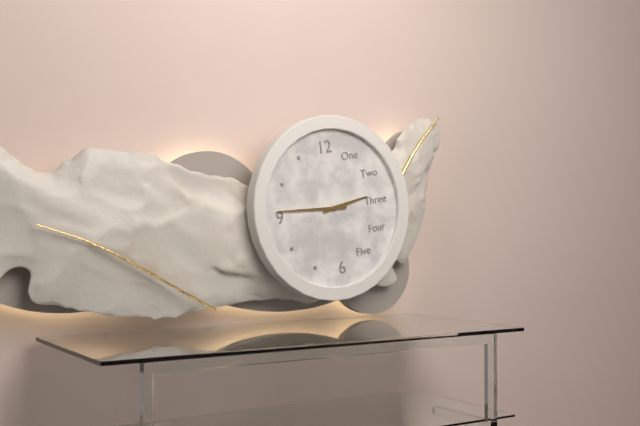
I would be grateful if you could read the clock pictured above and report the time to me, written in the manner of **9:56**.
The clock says **2:46**
